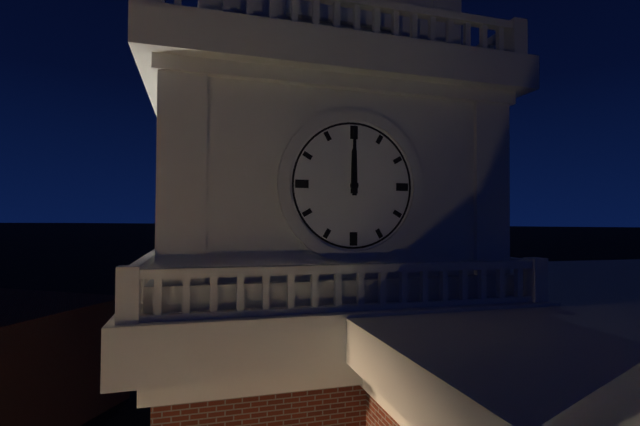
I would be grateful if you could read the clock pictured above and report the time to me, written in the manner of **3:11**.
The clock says **12:00**
